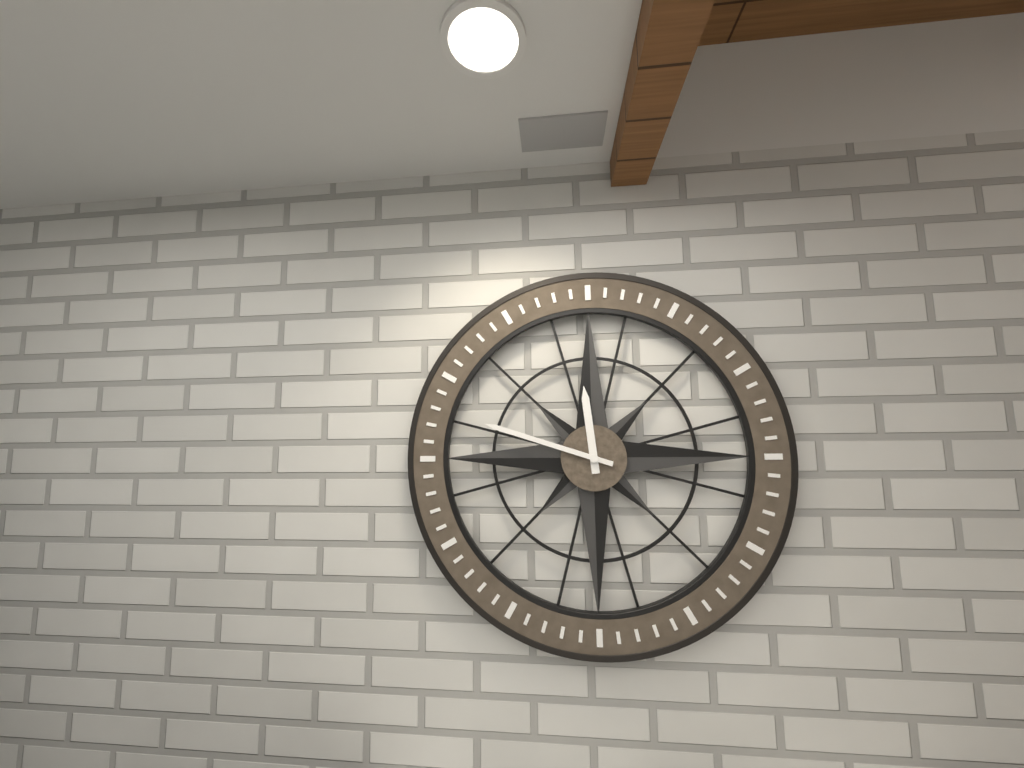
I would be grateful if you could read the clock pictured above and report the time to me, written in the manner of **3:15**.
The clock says **11:48**
